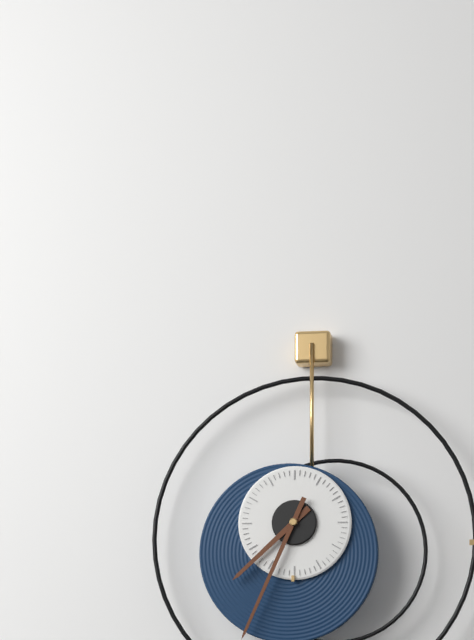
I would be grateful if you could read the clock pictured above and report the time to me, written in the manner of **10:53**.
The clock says **7:34**
